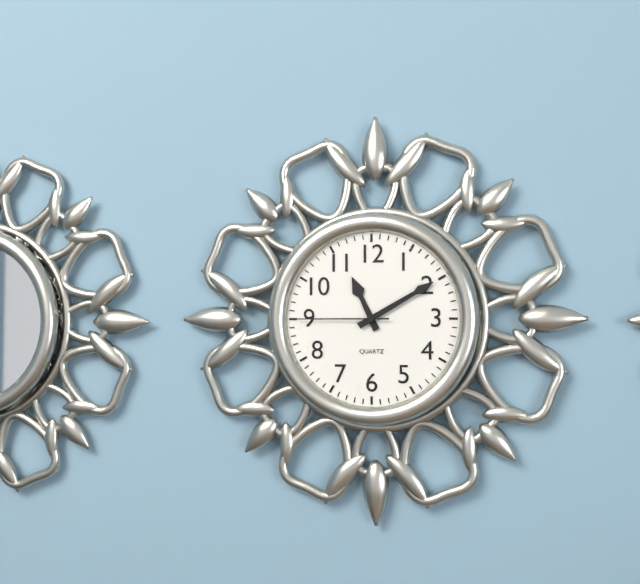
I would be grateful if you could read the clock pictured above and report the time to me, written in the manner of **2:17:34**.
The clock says **11:10:45**
